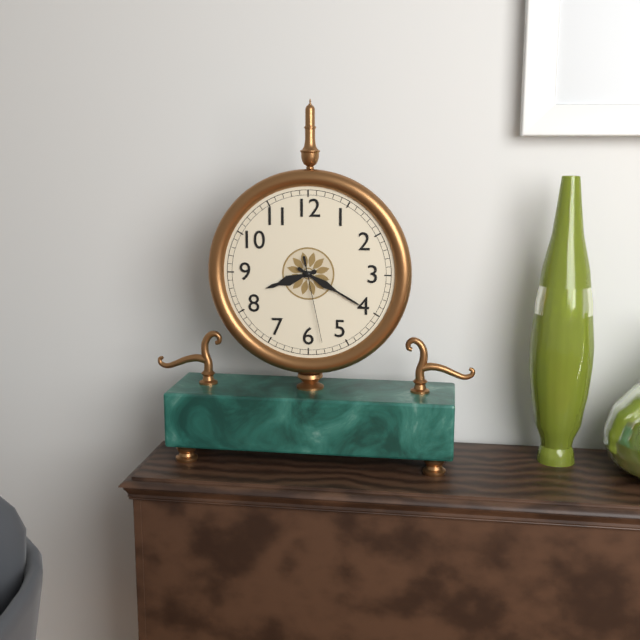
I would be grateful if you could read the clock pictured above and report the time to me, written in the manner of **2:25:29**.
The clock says **8:20:28**
